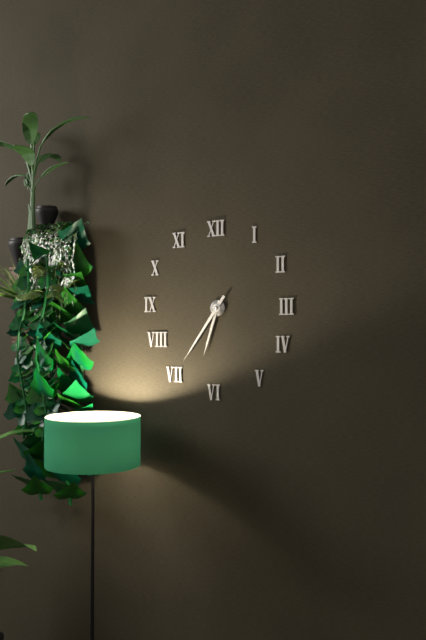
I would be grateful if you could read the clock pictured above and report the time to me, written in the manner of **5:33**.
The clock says **6:36**
